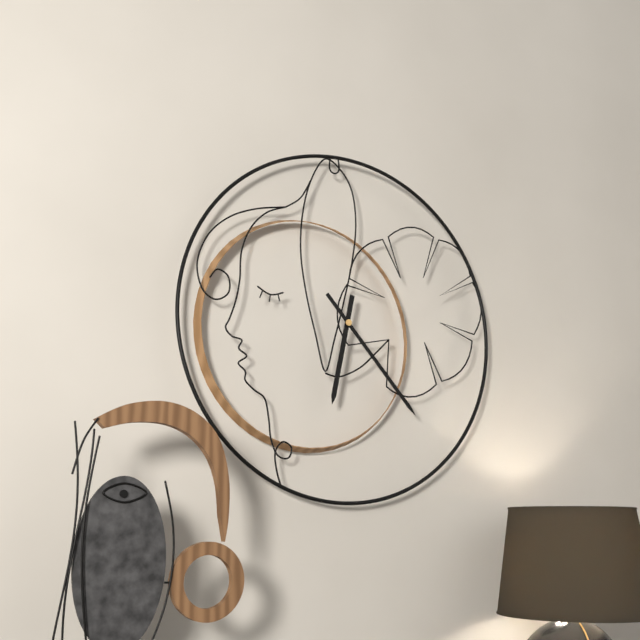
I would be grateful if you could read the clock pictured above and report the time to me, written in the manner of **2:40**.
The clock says **6:23**
